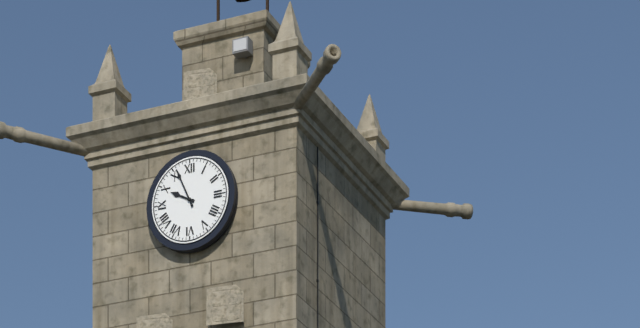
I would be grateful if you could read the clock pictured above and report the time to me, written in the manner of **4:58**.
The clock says **9:56**
